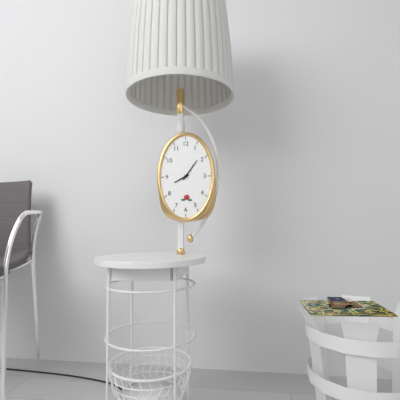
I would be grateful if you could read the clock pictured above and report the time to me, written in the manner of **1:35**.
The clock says **8:06**
